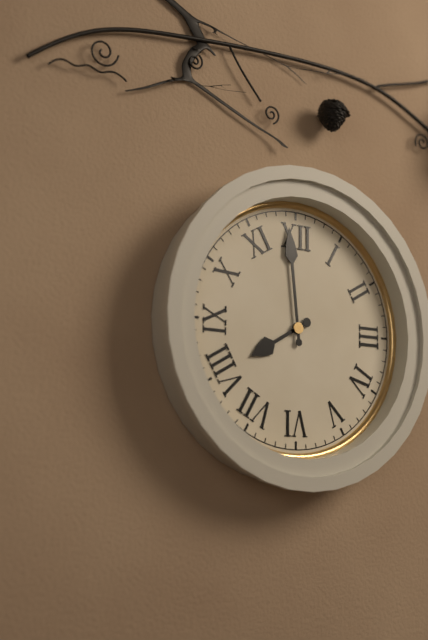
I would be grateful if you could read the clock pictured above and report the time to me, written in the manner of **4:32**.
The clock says **7:59**
